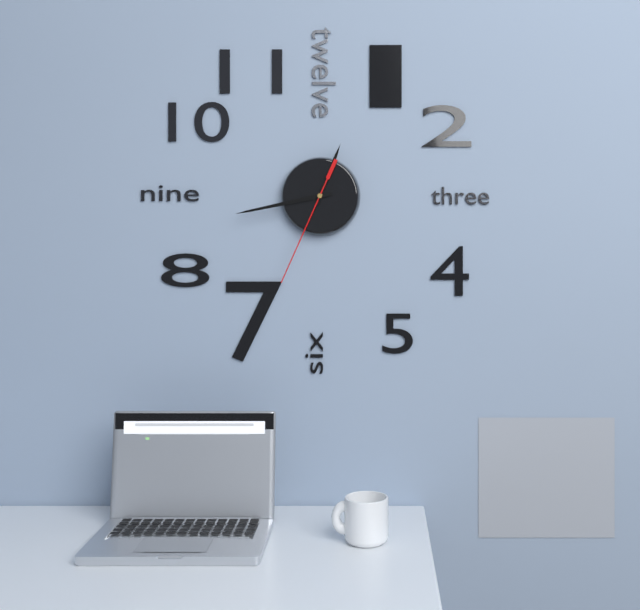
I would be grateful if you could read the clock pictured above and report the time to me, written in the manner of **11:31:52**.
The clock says **12:43:34**
